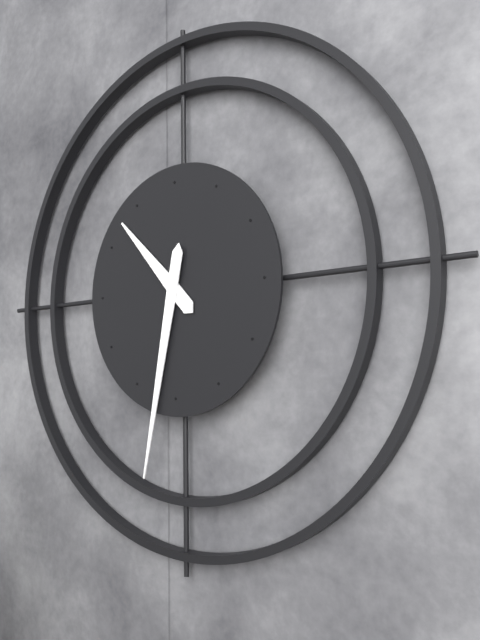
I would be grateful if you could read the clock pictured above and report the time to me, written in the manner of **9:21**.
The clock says **10:32**
